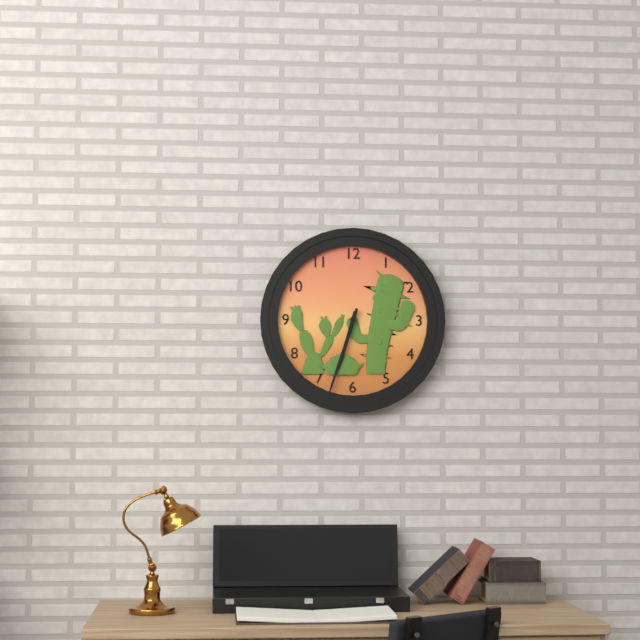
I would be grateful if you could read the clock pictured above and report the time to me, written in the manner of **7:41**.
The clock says **6:33**
